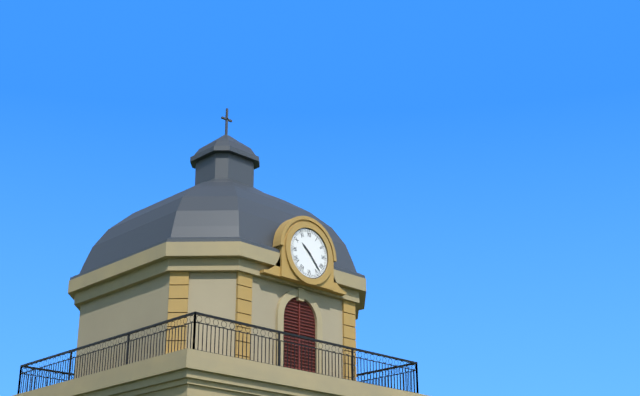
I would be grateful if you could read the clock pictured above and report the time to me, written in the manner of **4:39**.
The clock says **10:23**
